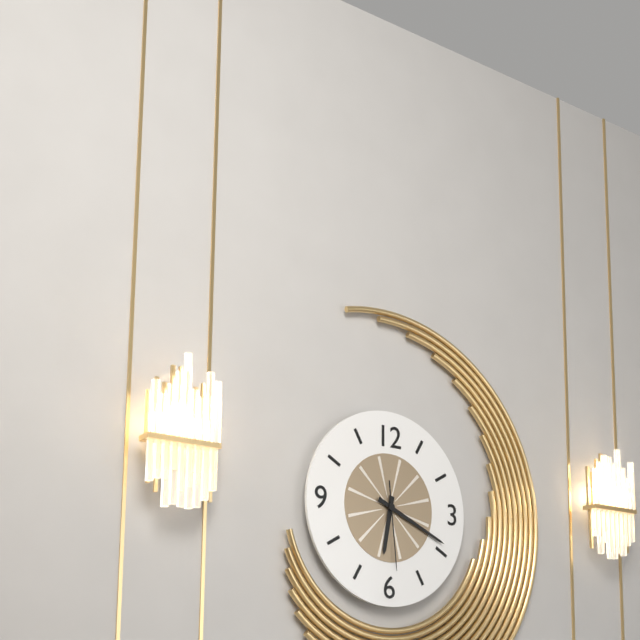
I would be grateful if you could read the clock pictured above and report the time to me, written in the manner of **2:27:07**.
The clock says **6:19:29**
